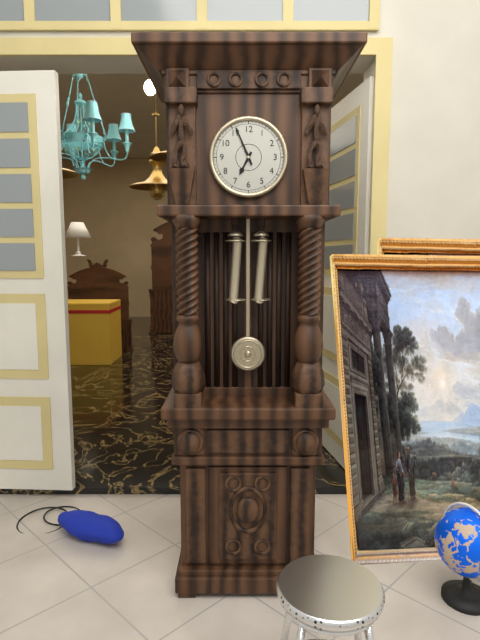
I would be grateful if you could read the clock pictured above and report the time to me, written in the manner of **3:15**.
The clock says **6:56**
